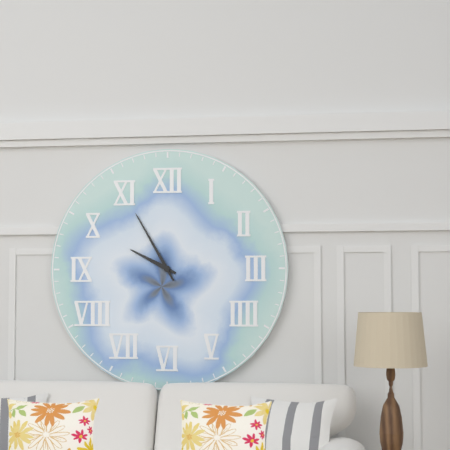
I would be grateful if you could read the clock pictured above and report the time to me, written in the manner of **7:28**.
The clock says **9:55**
